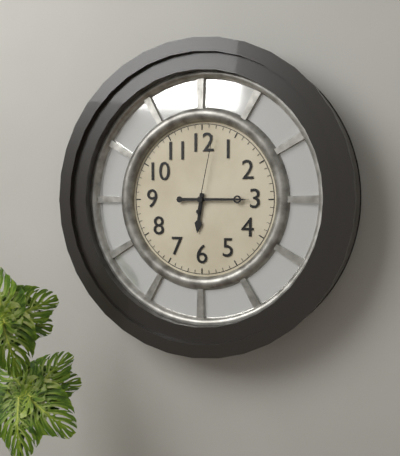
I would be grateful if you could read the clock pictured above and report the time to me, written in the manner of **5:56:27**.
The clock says **6:15:02**
